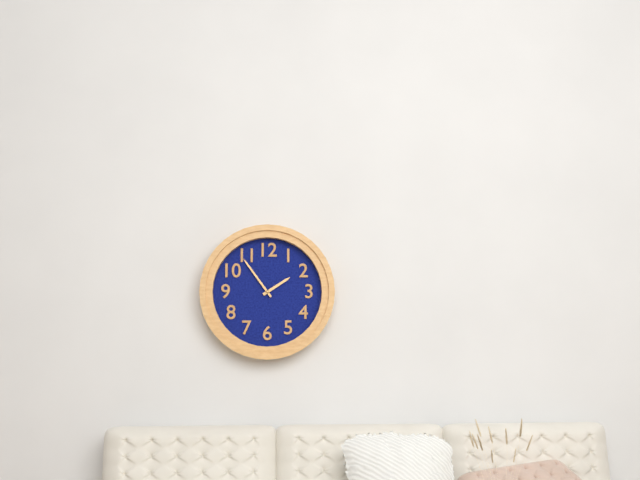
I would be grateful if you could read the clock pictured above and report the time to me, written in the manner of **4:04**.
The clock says **1:54**
